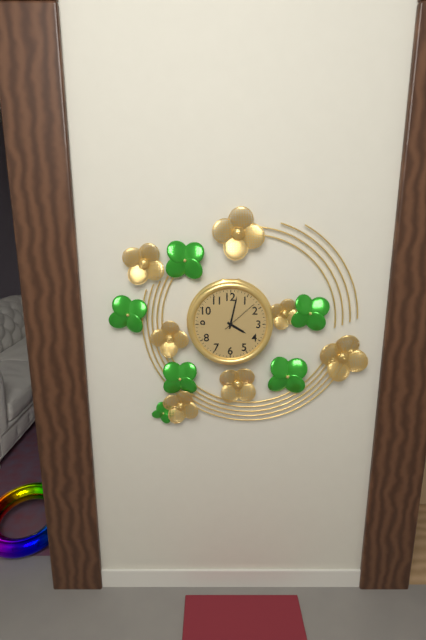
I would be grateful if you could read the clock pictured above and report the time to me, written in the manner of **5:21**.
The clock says **4:02**
